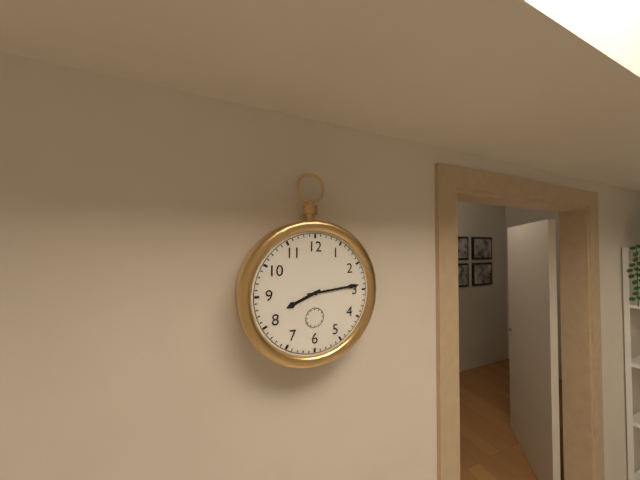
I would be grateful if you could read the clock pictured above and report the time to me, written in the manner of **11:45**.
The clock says **8:14**
